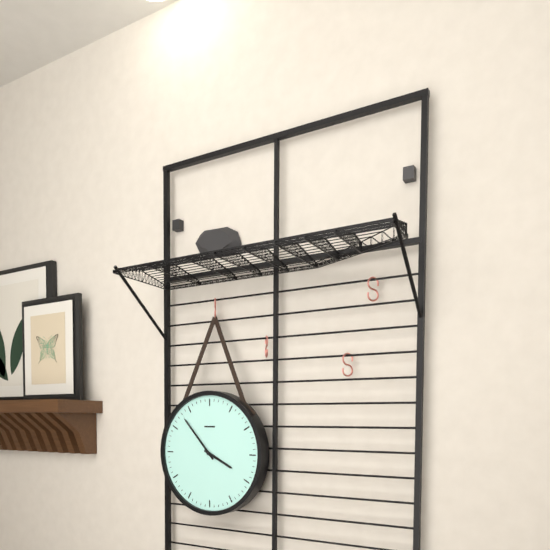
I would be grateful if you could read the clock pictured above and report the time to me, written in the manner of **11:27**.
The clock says **3:53**
